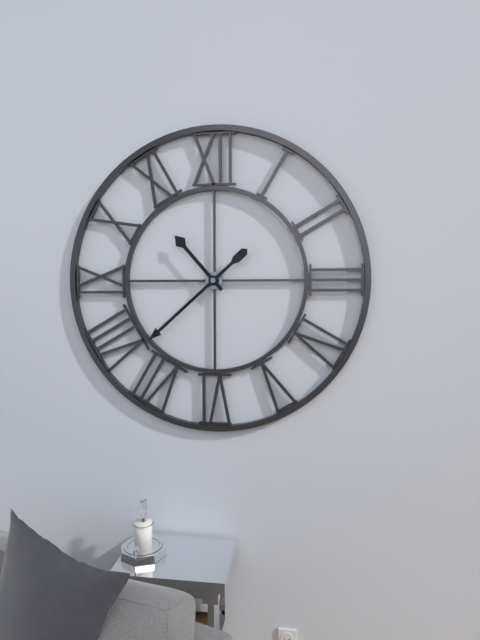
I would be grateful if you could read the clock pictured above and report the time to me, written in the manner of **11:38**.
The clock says **10:38**
